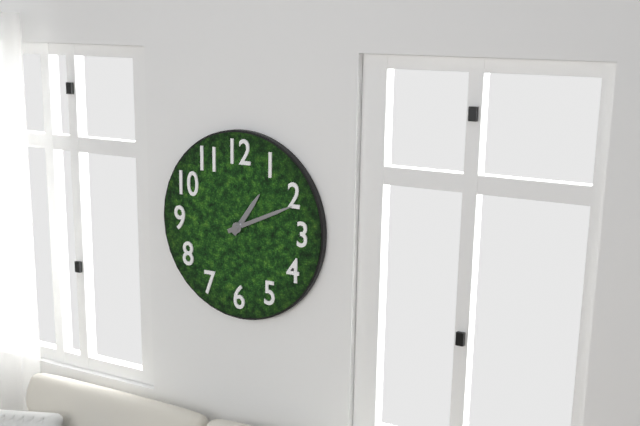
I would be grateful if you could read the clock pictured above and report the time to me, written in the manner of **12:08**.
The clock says **1:11**
